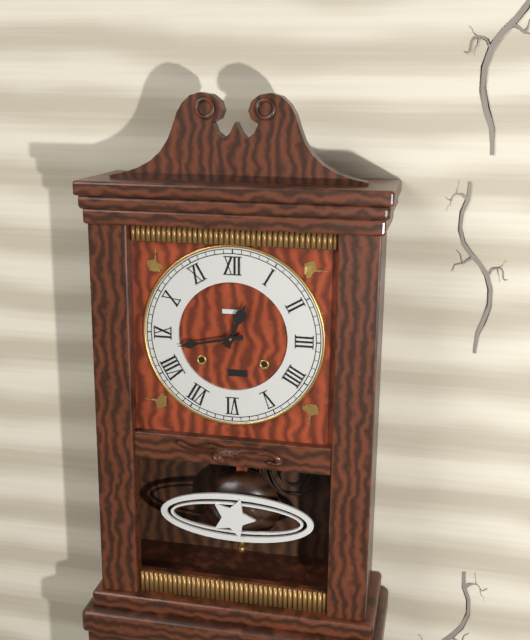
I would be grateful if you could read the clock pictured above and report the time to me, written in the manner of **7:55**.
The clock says **12:43**
